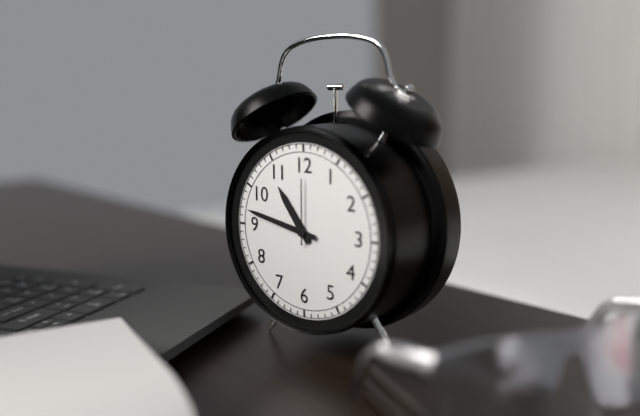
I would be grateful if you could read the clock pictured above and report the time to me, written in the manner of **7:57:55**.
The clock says **10:47:00**
